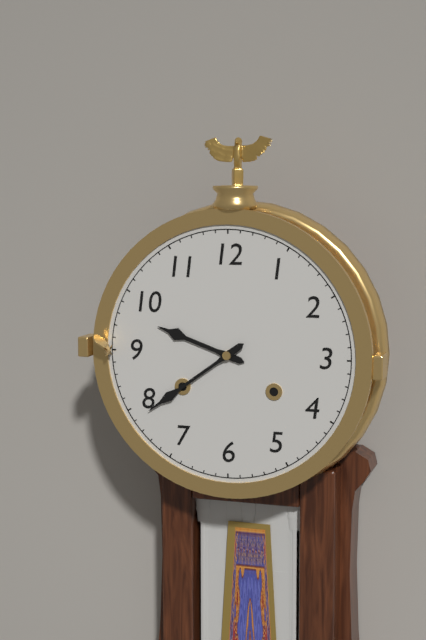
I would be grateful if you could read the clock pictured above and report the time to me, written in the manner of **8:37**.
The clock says **9:39**
